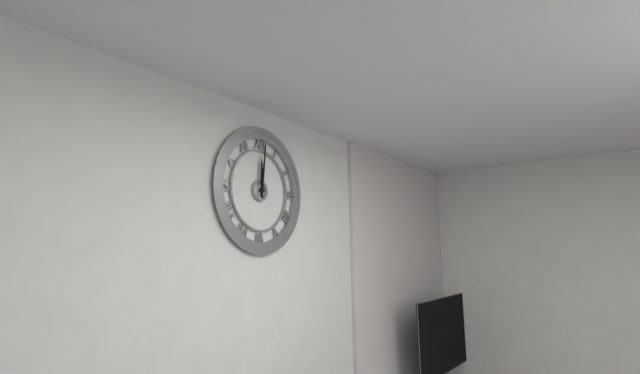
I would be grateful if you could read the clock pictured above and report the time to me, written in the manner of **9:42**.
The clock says **12:01**
